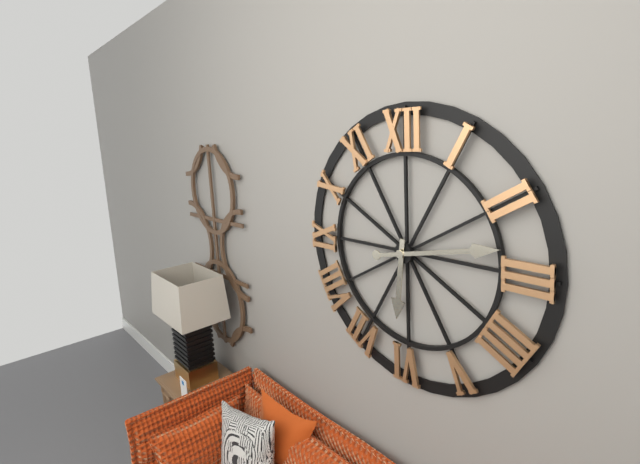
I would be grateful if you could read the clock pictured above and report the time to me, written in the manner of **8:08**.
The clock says **6:13**
